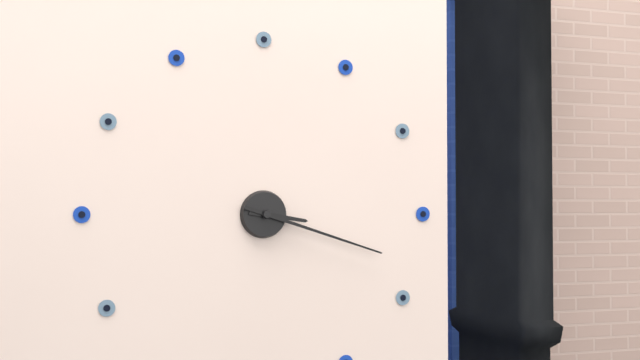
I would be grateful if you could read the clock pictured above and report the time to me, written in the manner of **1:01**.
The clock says **3:18**
